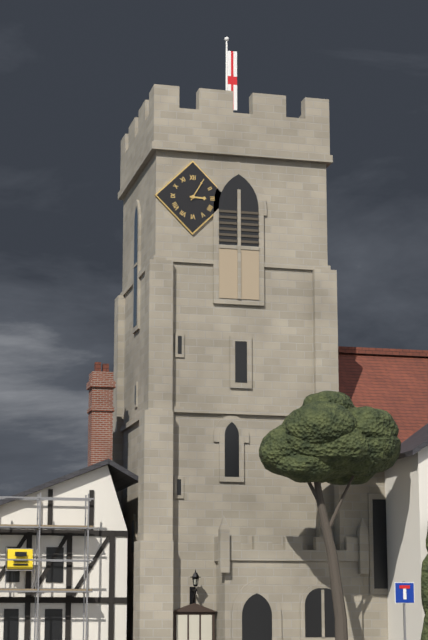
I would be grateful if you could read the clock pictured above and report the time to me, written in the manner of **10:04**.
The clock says **3:05**
